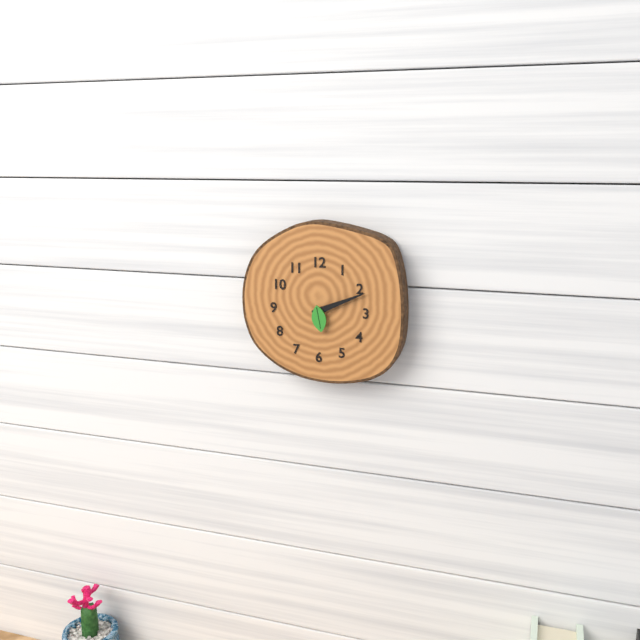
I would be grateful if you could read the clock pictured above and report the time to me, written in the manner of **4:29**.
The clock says **2:11**
